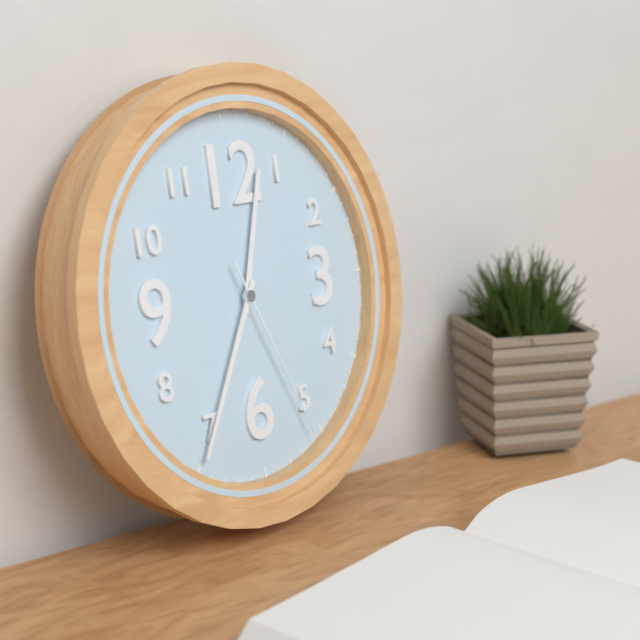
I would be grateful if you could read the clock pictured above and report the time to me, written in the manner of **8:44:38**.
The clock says **12:35:26**
